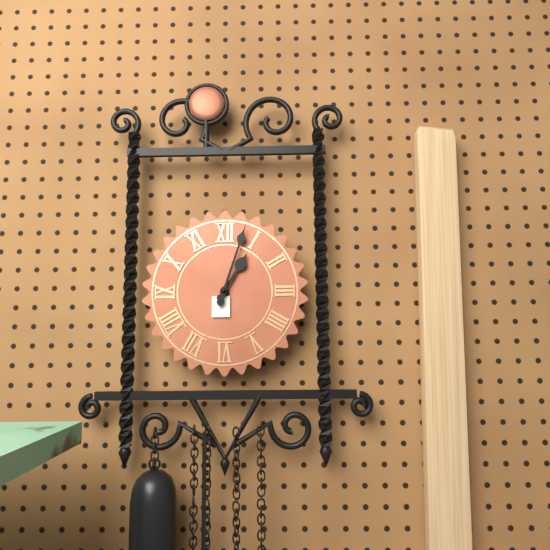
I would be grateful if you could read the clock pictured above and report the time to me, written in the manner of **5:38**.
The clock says **1:03**
